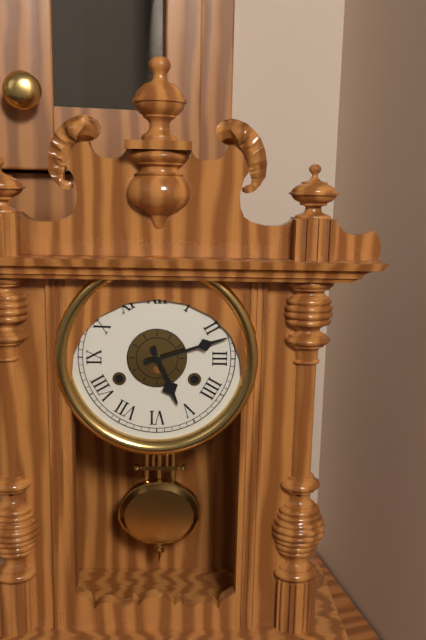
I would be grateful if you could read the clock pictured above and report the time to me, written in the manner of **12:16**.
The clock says **5:12**
